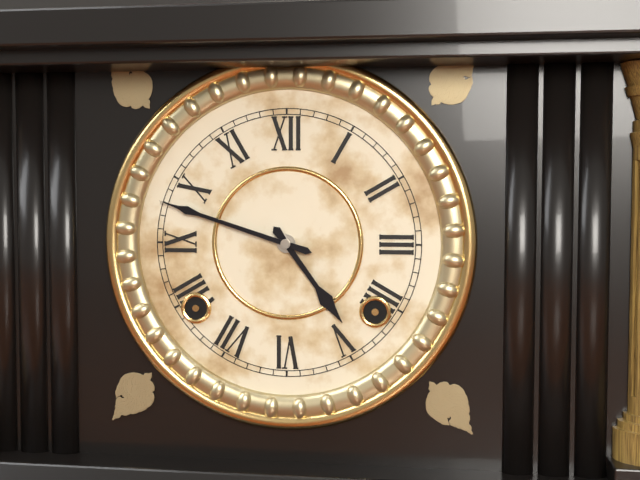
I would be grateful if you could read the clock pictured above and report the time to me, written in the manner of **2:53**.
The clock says **4:48**
